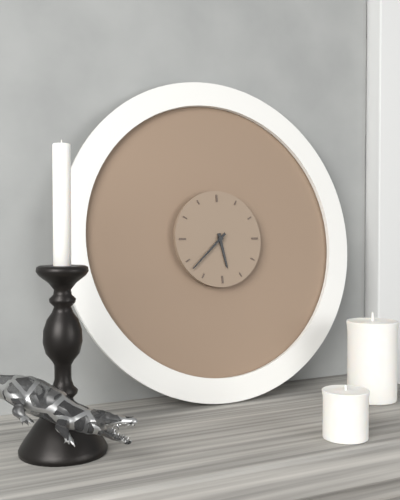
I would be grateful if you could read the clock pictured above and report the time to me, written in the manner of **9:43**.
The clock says **5:38**
